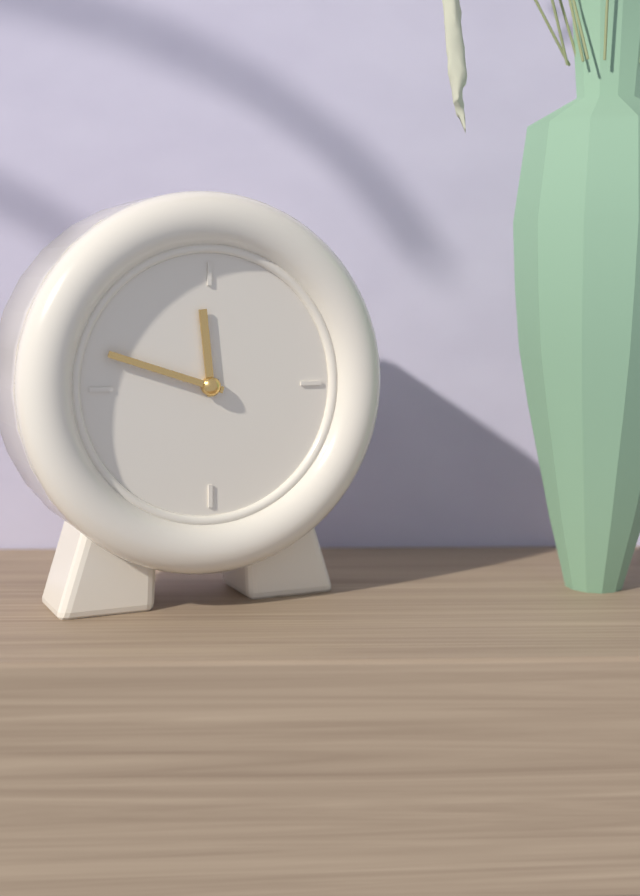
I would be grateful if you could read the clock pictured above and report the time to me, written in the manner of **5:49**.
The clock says **11:48**
